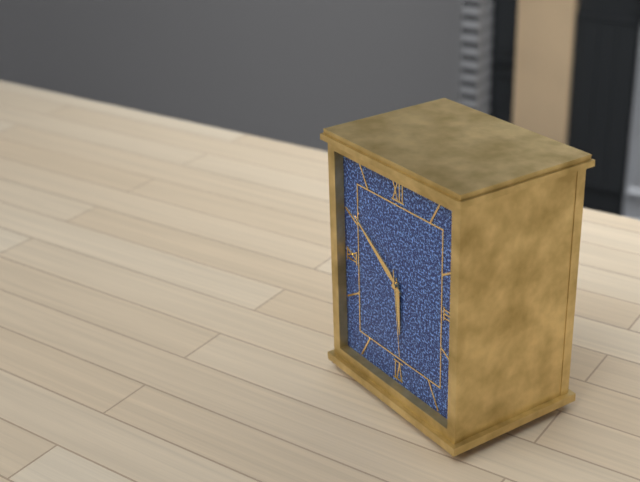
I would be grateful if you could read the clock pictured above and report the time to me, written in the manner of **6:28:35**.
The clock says **5:51:29**
